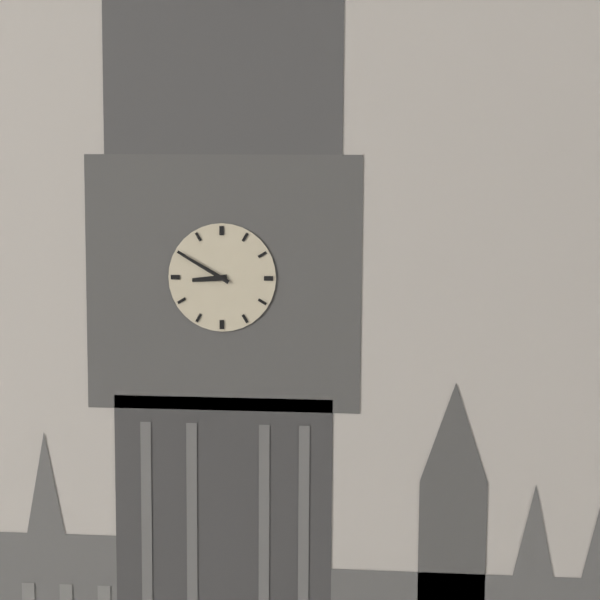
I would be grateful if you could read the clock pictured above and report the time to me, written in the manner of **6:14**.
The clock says **8:50**
